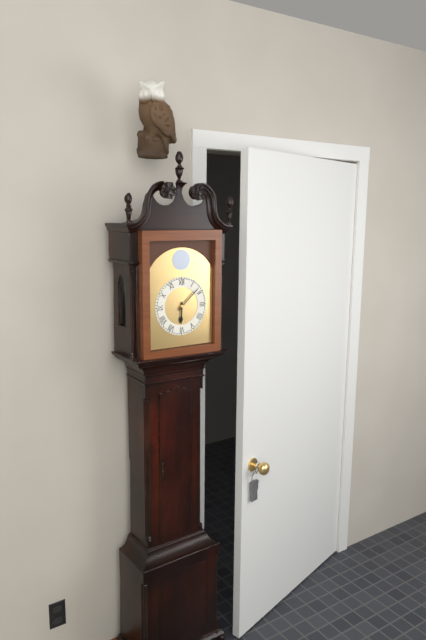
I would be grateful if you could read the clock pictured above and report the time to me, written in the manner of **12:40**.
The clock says **6:08**
